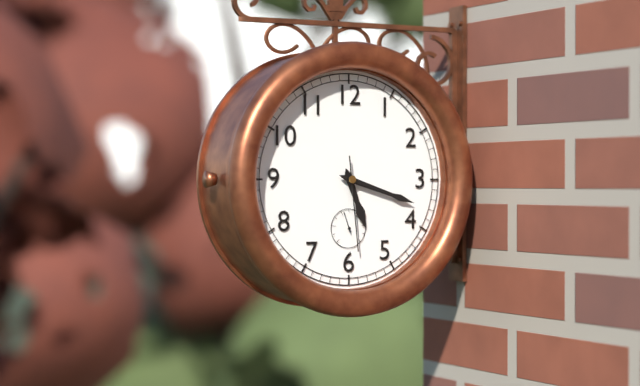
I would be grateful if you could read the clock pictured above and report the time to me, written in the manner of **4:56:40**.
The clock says **5:18:29**
